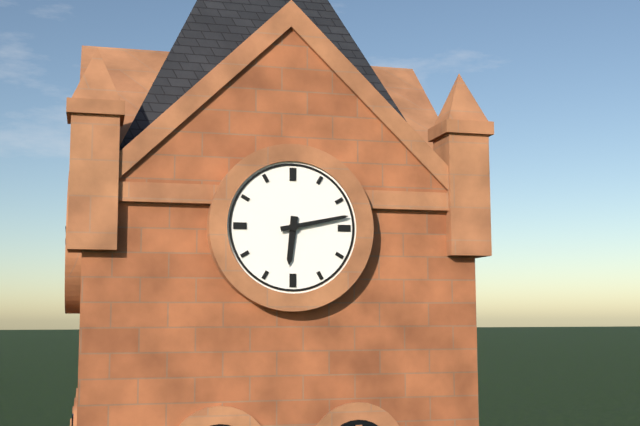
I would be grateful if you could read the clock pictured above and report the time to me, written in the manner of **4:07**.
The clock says **6:13**
